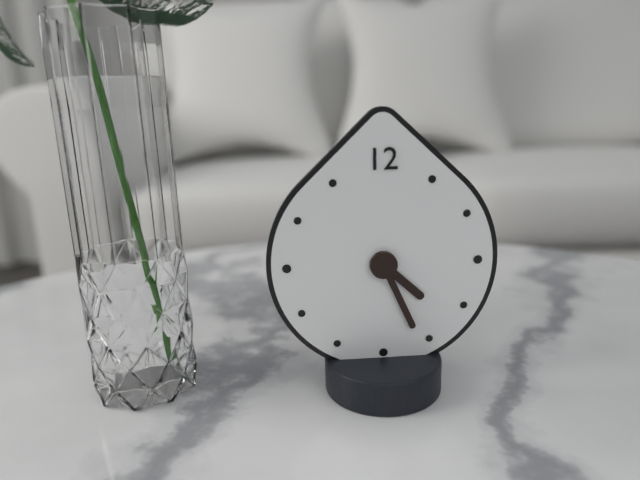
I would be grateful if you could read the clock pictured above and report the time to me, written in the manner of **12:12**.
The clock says **4:26**
